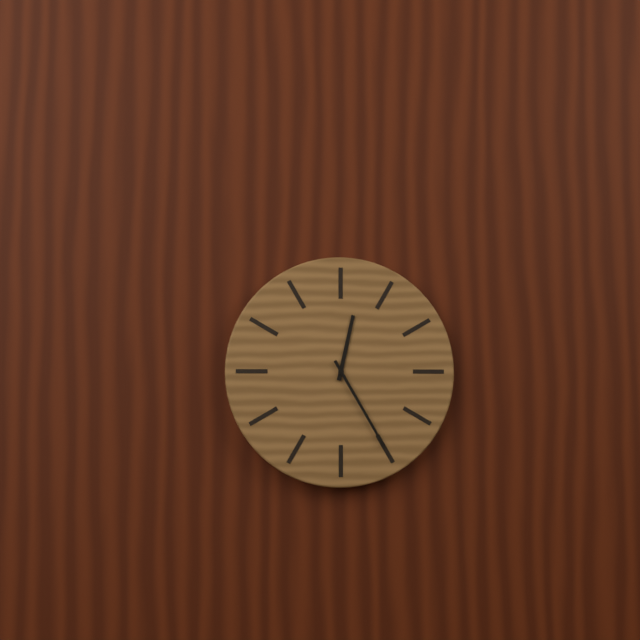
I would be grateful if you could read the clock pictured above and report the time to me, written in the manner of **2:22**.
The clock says **12:25**
